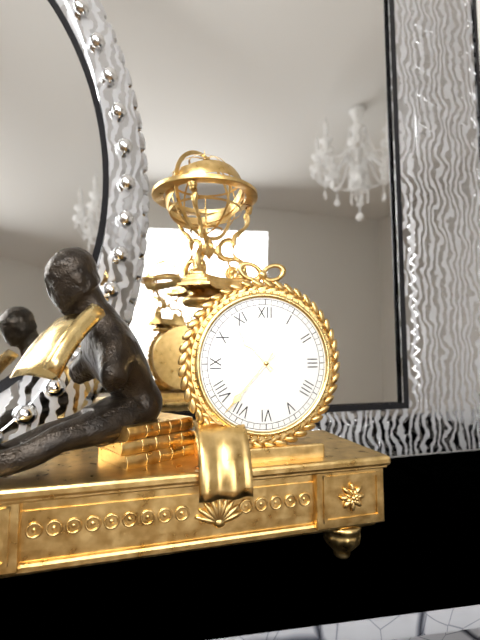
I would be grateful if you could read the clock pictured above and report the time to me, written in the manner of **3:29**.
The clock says **10:37**
